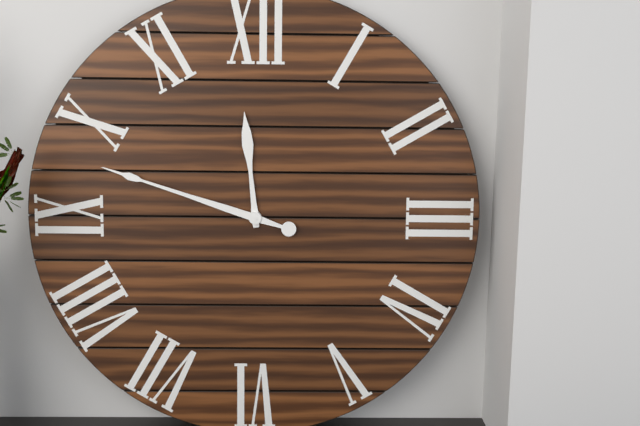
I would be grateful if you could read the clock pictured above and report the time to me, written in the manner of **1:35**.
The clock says **11:48**
